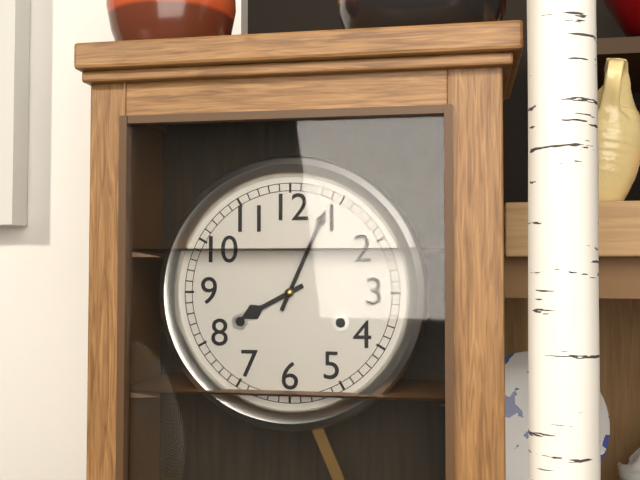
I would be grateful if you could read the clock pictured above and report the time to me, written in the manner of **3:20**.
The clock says **8:04**
